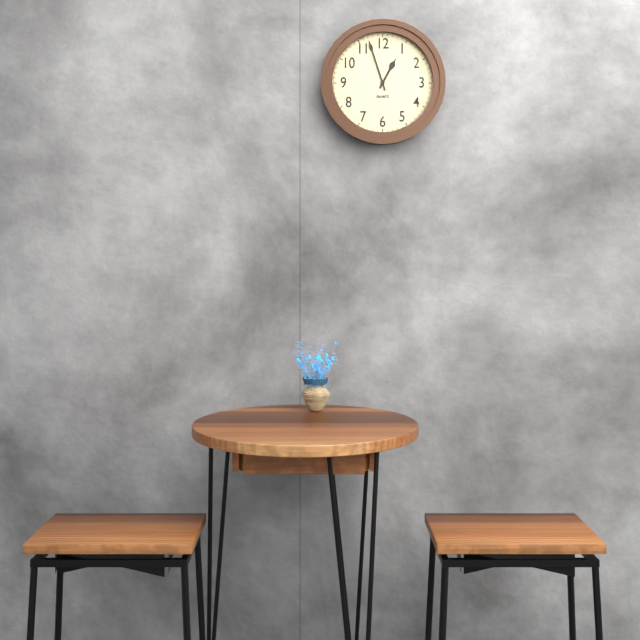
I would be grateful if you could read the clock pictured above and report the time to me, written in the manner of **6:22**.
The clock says **12:57**
